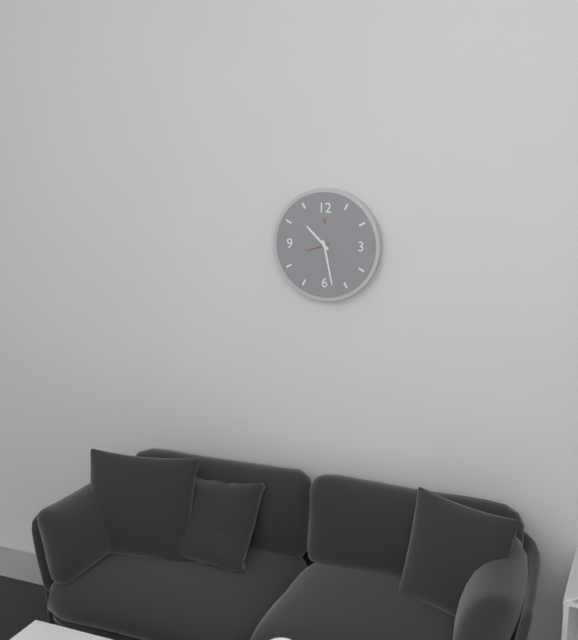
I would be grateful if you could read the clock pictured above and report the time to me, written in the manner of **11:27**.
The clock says **10:28**
